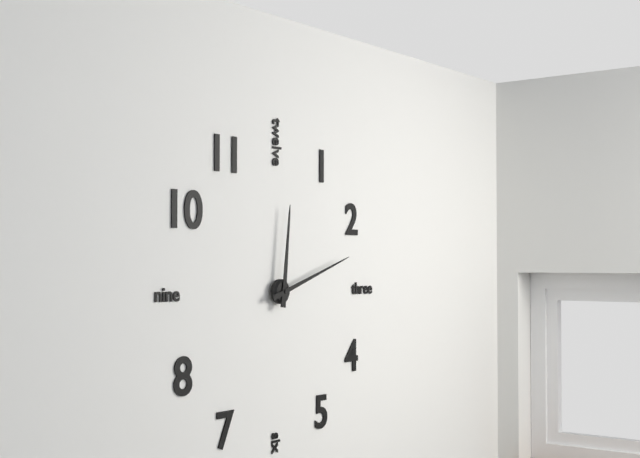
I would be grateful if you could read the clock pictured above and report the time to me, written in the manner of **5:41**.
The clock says **12:12**
